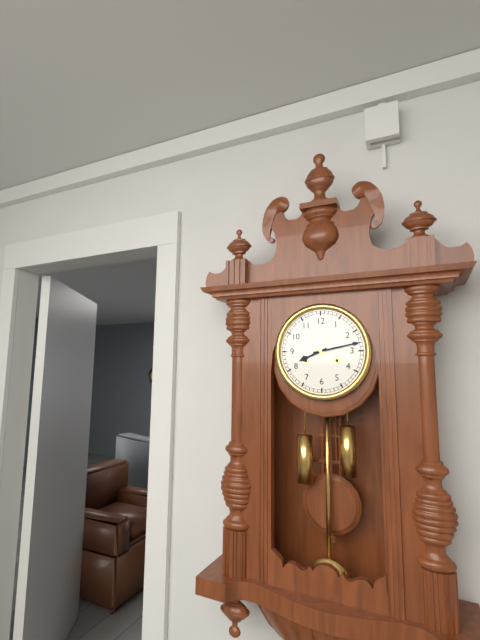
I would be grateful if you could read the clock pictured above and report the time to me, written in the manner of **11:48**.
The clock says **8:13**
